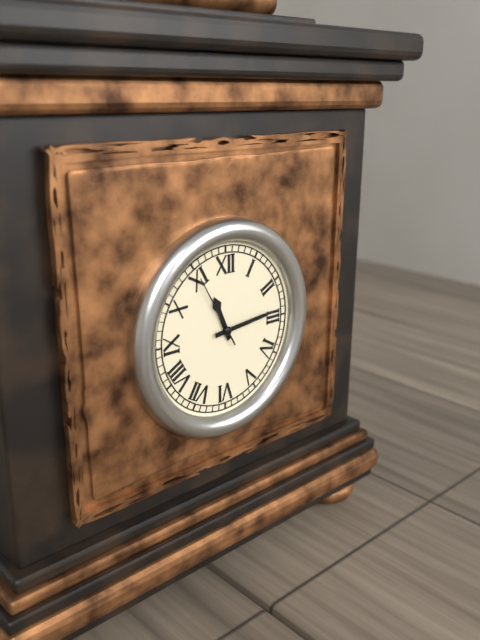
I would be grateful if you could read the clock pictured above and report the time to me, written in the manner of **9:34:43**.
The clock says **11:14:55**
